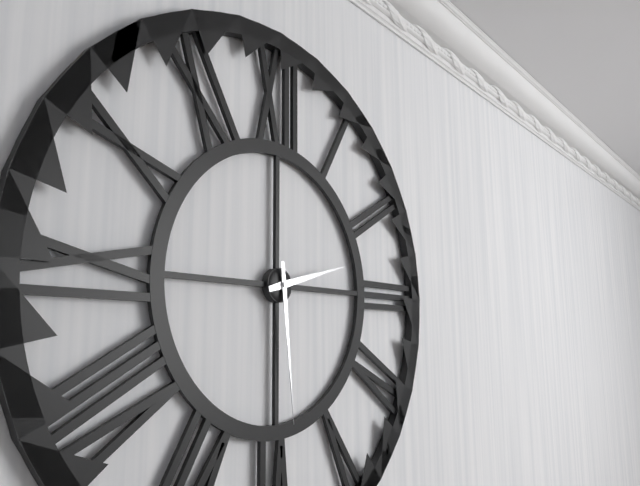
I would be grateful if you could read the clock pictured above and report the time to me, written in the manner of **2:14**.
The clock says **2:29**
